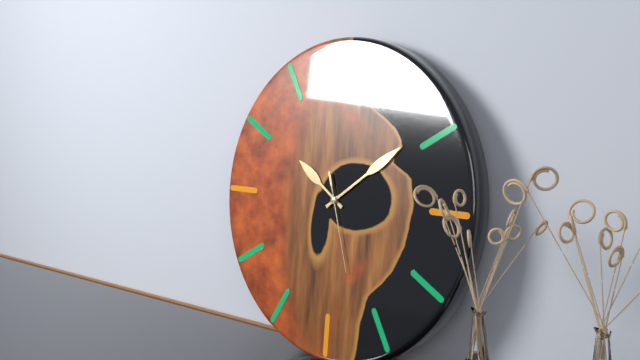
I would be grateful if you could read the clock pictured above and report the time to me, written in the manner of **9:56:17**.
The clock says **10:09:27**
